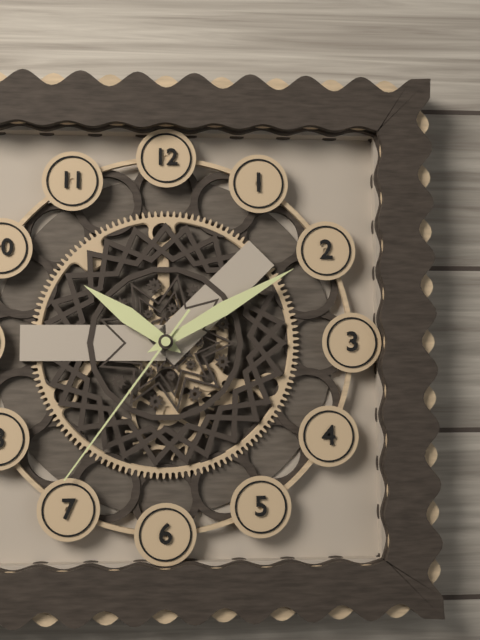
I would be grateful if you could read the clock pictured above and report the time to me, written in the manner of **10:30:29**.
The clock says **10:10:36**
